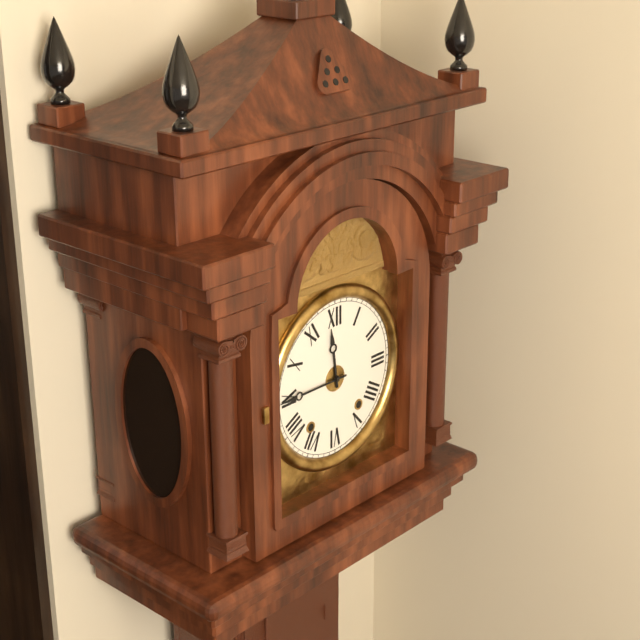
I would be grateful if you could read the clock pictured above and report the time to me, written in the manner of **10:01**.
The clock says **11:45**
